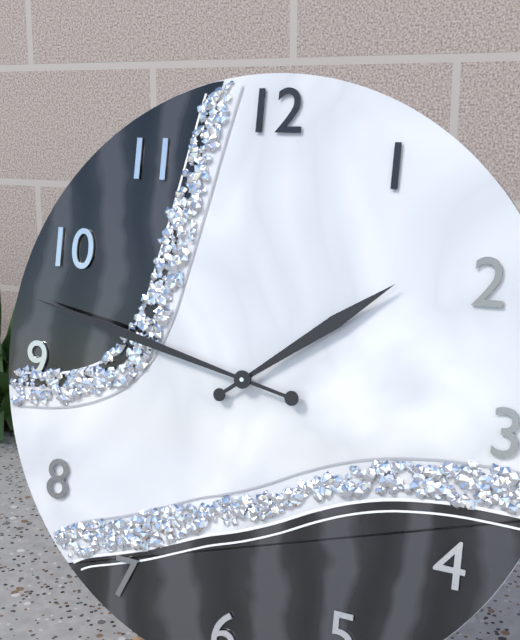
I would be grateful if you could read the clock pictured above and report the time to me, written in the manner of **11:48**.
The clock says **1:47**
